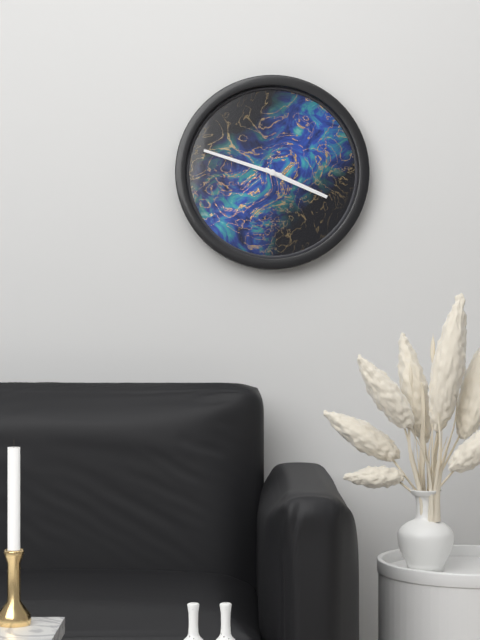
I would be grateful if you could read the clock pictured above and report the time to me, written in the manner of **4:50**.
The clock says **3:48**
